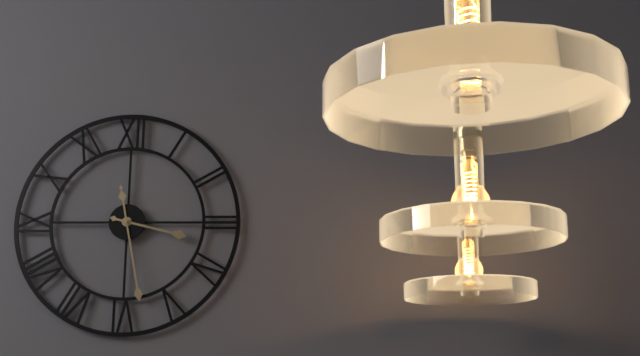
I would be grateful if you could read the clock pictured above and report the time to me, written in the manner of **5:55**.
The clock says **3:28**
